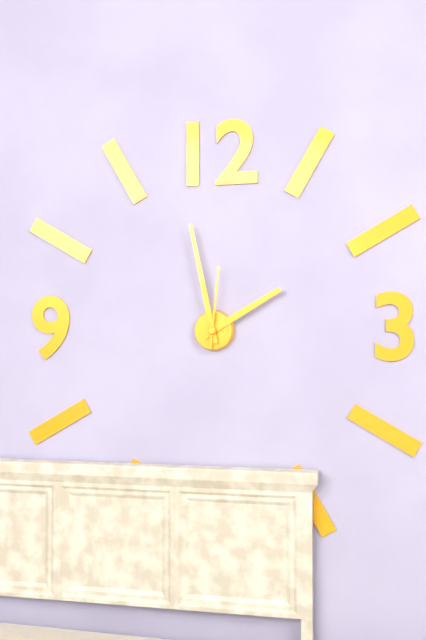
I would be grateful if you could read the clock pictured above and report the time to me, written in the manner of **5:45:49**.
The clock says **1:58:01**
